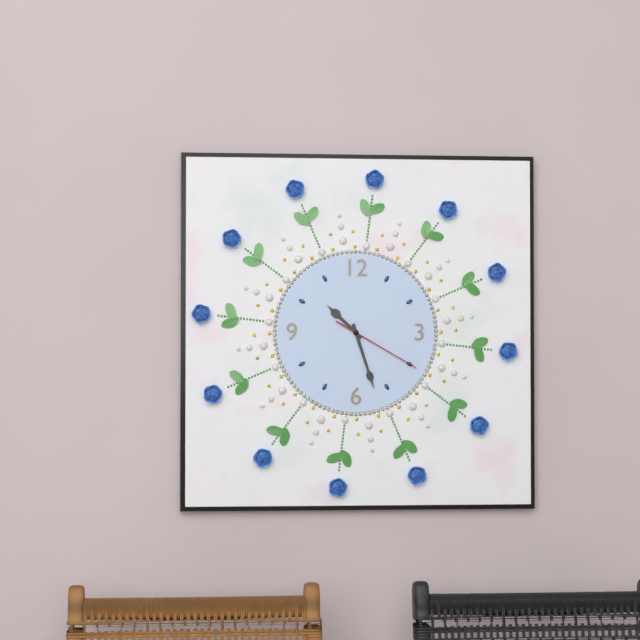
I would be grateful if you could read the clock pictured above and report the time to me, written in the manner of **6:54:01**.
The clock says **10:27:20**
